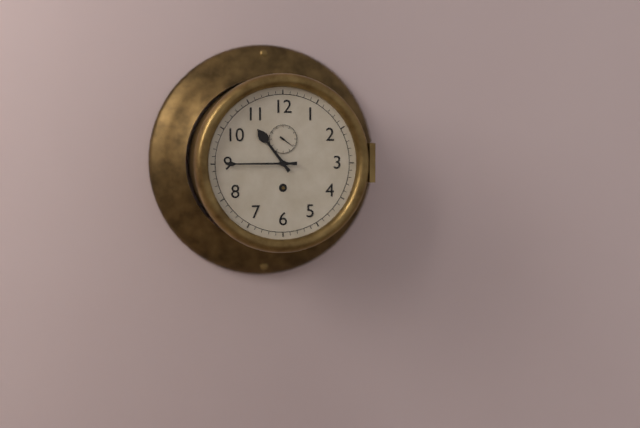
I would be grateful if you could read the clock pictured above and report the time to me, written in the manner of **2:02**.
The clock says **10:45**
